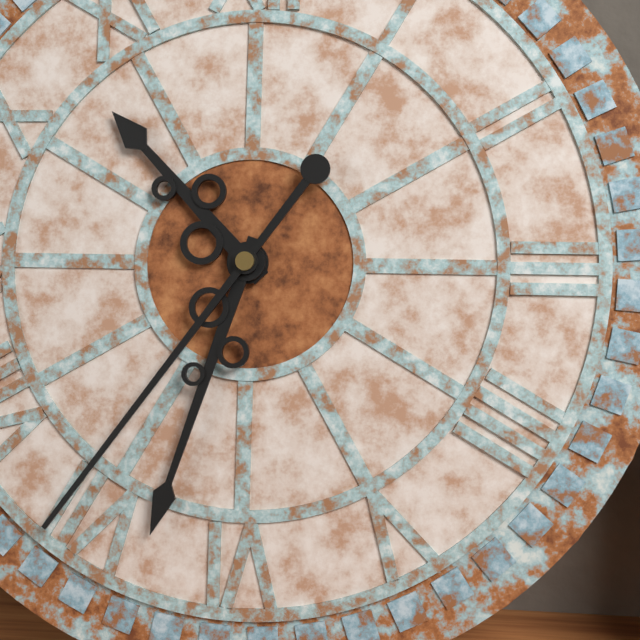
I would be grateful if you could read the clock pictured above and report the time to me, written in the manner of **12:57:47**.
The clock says **10:33:36**
